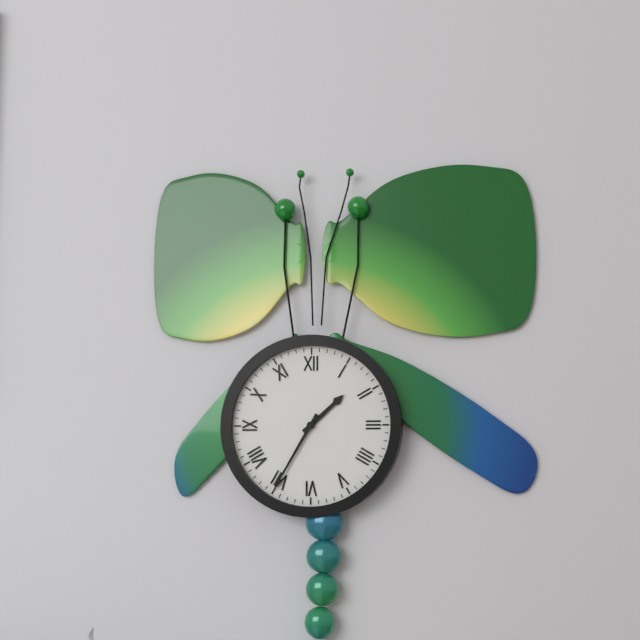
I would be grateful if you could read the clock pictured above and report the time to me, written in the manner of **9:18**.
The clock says **1:35**
